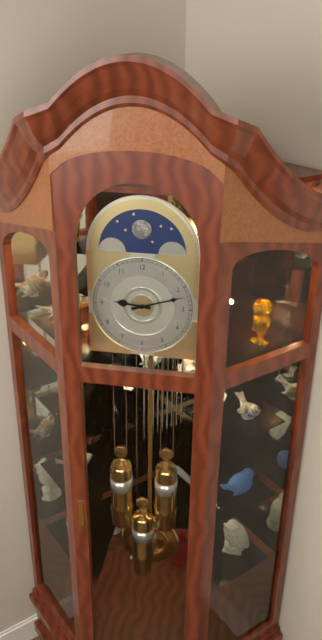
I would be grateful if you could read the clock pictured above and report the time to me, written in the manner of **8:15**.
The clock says **9:12**
